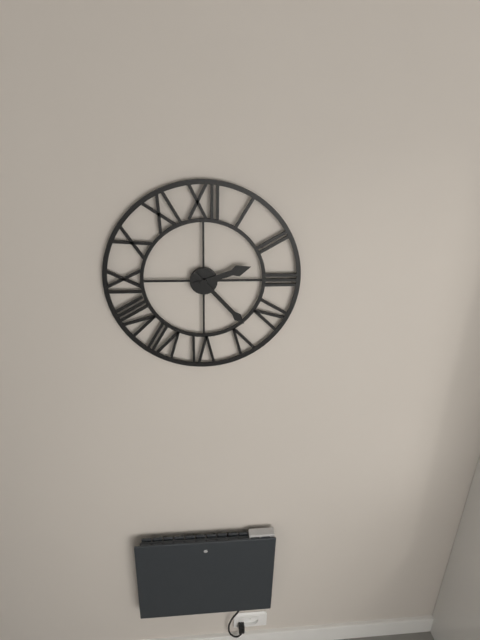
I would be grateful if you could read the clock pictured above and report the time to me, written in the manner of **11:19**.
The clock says **2:23**
